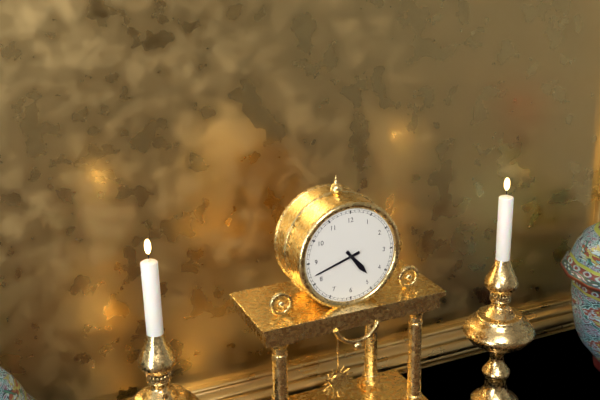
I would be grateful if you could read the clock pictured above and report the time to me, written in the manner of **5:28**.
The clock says **4:42**
